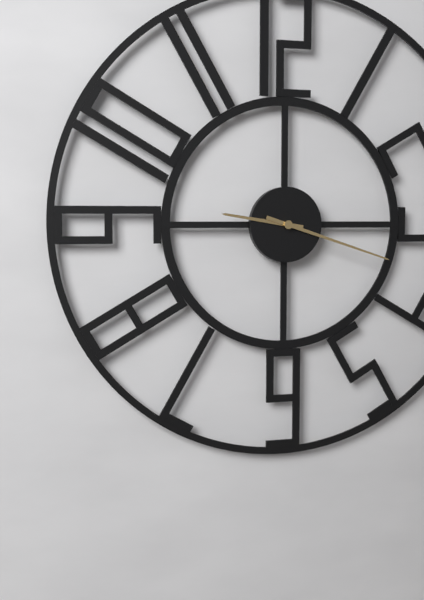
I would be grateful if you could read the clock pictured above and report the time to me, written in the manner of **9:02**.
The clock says **9:18**
